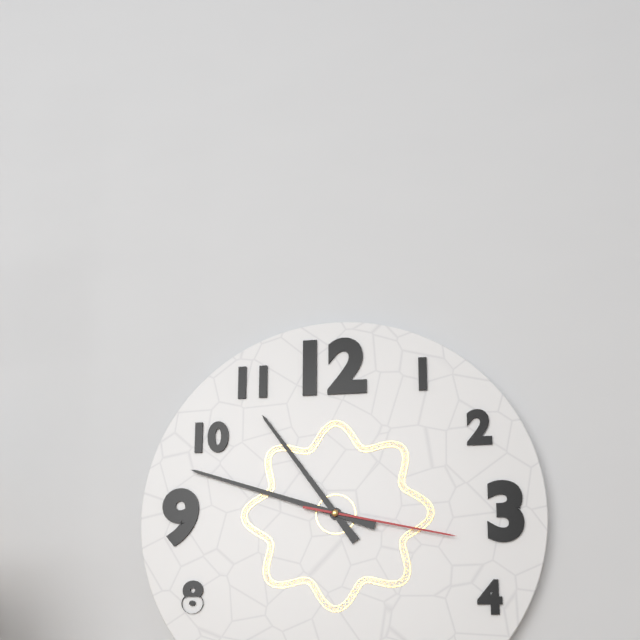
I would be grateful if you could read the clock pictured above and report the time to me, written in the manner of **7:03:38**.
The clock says **10:48:17**
